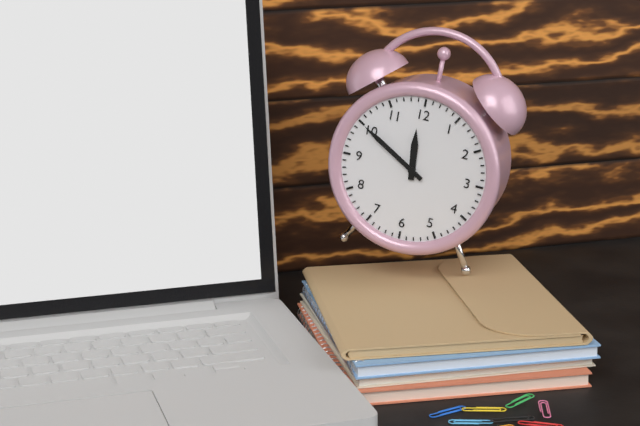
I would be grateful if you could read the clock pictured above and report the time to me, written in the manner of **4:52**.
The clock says **11:50**
